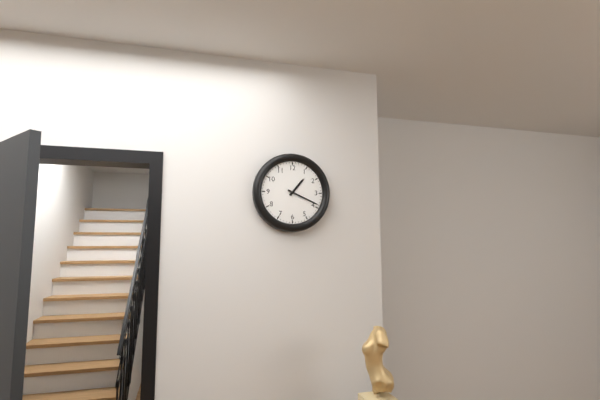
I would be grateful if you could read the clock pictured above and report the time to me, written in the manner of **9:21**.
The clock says **1:19**
